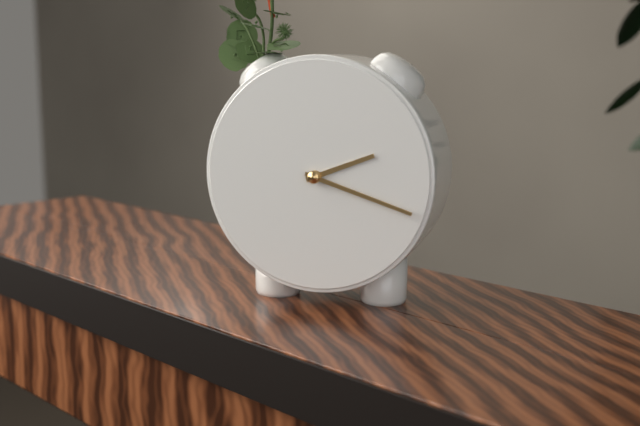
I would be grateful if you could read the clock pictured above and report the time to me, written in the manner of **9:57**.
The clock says **2:18**
